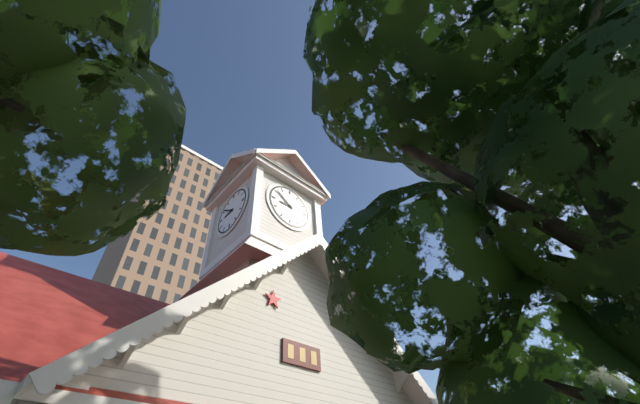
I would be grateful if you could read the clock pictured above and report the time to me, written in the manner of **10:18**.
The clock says **8:51**
